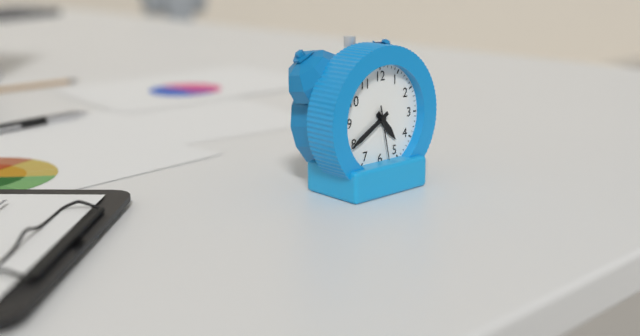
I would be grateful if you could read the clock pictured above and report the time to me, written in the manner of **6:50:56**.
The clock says **4:40:28**
